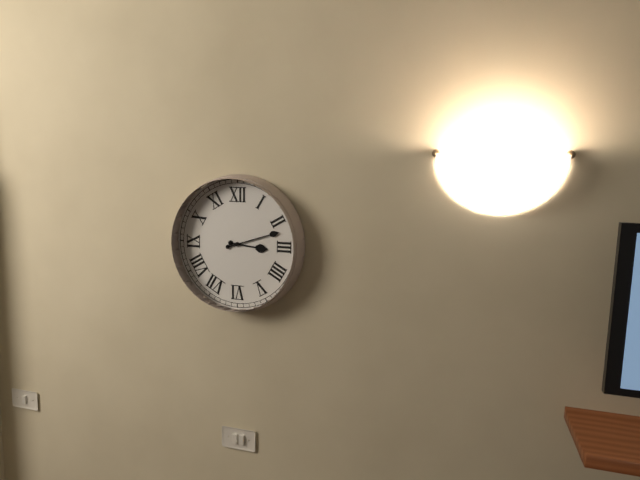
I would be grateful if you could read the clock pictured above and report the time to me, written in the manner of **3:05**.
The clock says **3:12**
